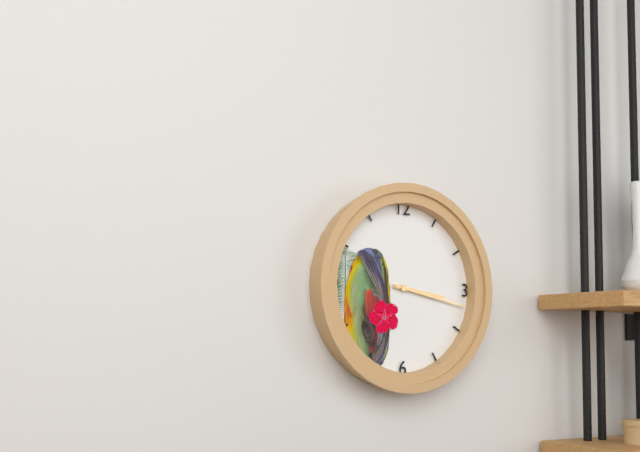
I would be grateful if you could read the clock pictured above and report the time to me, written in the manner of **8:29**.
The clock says **3:17**
